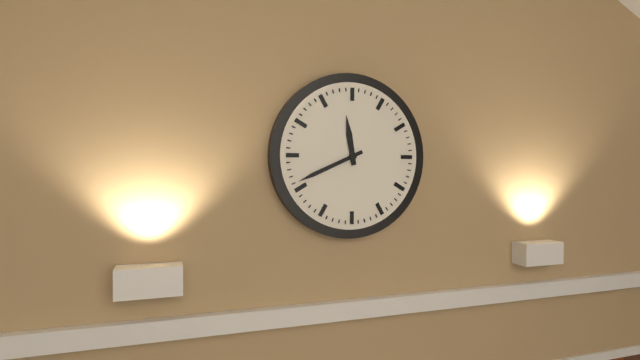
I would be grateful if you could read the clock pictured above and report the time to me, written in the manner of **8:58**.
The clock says **11:41**
